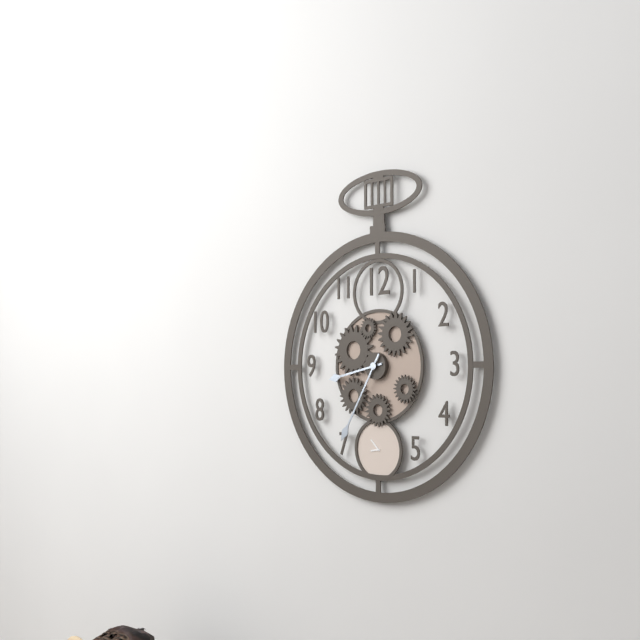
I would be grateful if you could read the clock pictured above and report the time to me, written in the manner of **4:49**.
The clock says **8:35**
